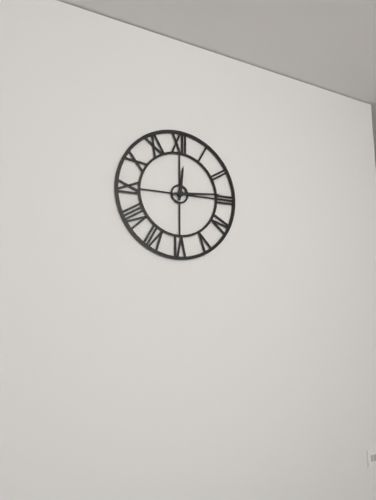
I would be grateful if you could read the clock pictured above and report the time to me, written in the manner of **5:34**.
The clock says **12:14**
